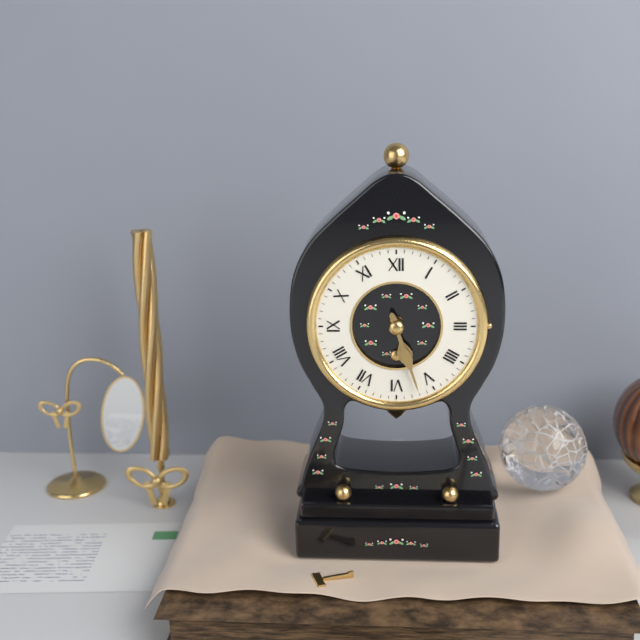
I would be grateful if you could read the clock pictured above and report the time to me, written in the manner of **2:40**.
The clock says **5:27**
